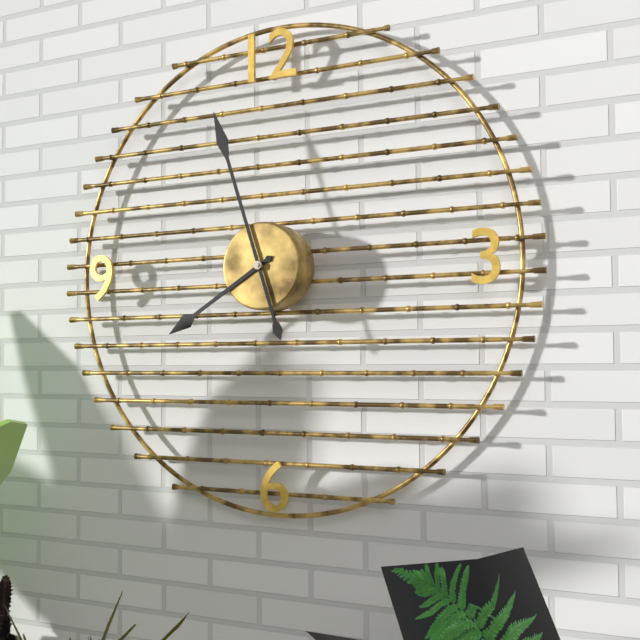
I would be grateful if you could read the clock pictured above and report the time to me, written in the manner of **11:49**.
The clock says **7:57**
